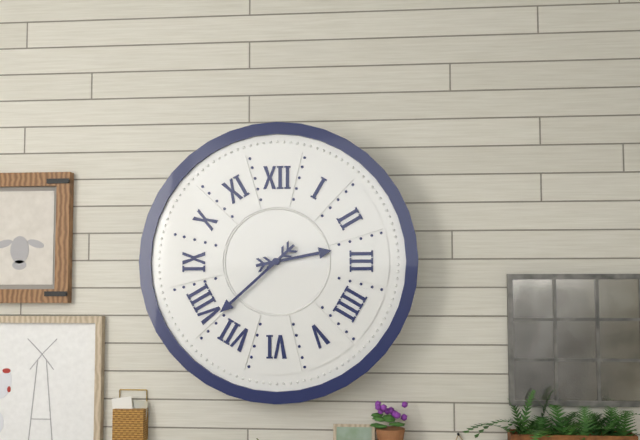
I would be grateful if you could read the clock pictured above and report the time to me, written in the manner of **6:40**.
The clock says **2:38**
